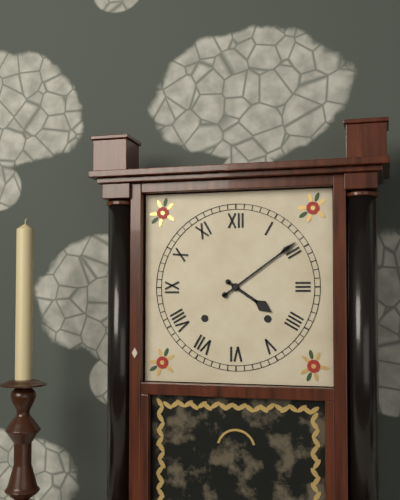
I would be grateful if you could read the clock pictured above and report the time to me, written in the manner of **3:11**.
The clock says **4:09**
